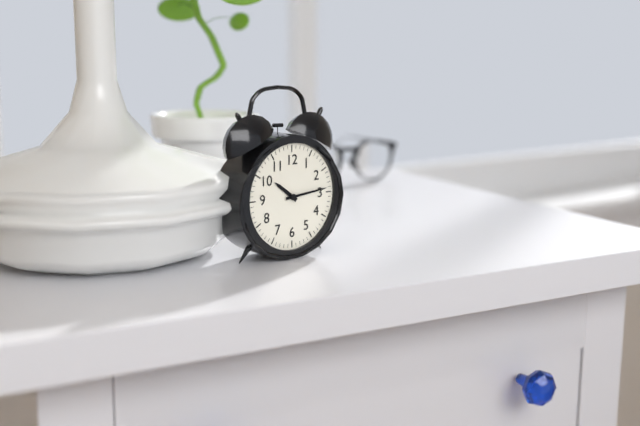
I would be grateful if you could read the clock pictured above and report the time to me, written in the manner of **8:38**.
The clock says **10:14**
